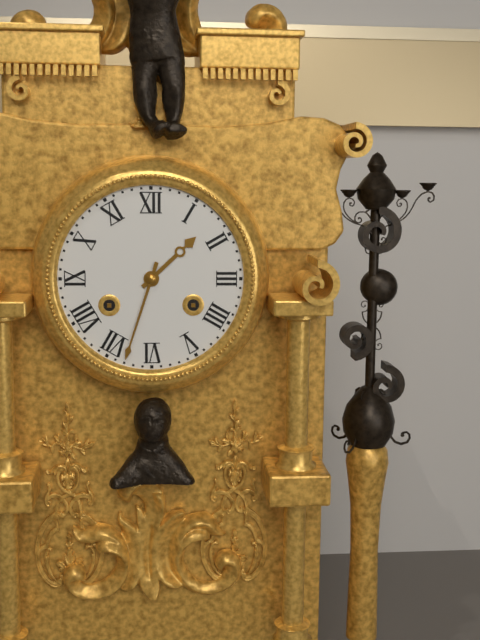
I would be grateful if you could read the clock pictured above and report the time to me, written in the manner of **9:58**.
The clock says **1:33**
